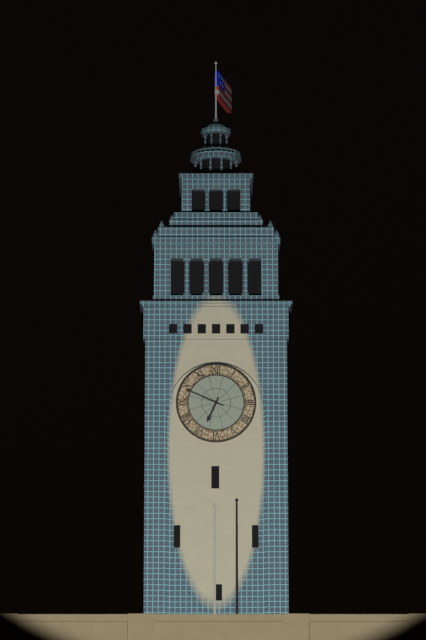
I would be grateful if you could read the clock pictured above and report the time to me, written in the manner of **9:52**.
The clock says **6:49**
